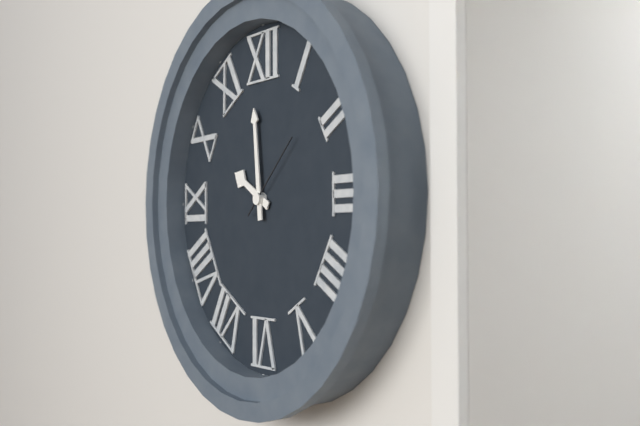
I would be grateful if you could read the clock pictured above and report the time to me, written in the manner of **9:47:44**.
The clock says **9:59:08**
